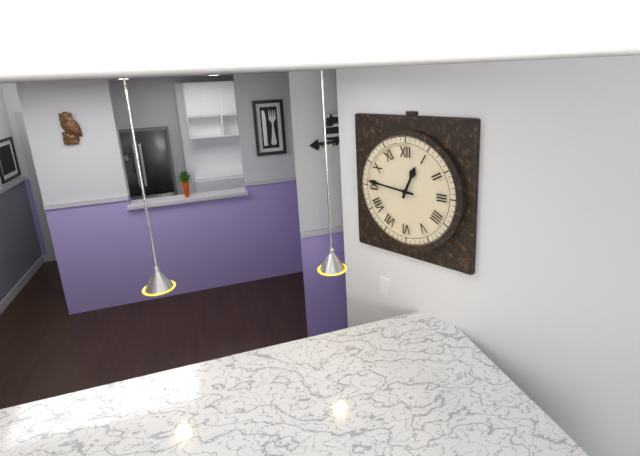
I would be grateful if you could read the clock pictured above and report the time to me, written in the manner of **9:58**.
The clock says **12:46**
